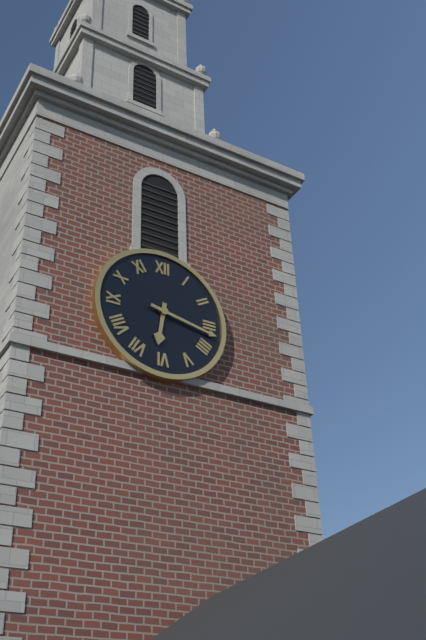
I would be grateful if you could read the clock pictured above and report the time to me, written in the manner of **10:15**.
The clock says **6:17**
